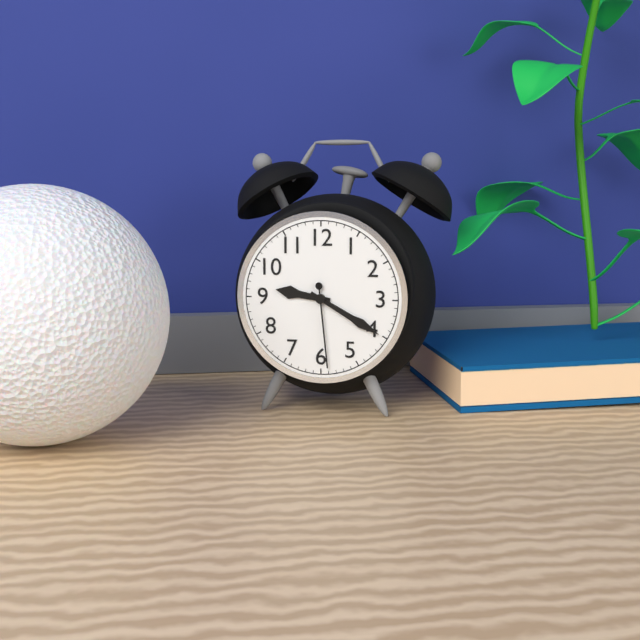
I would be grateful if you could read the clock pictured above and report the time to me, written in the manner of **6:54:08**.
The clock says **9:20:29**
